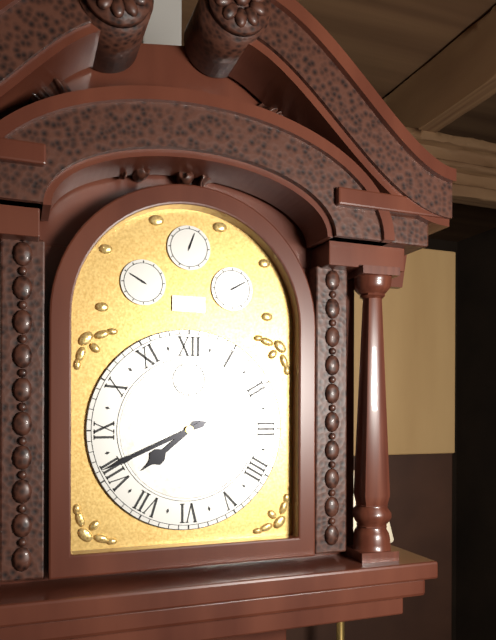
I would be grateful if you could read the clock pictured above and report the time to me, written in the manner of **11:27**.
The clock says **7:41**
